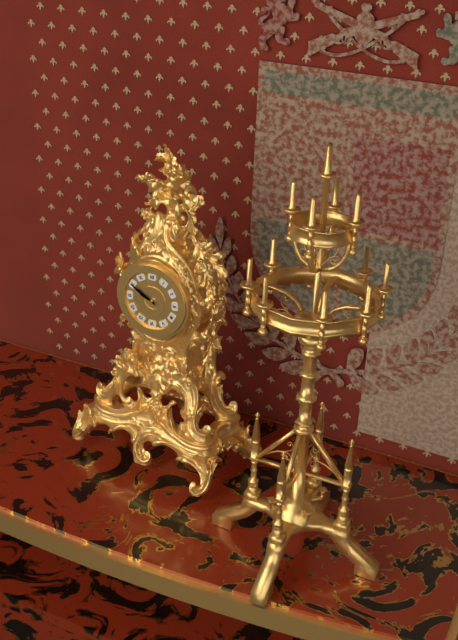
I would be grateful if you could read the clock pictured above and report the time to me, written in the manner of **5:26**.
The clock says **9:50**
